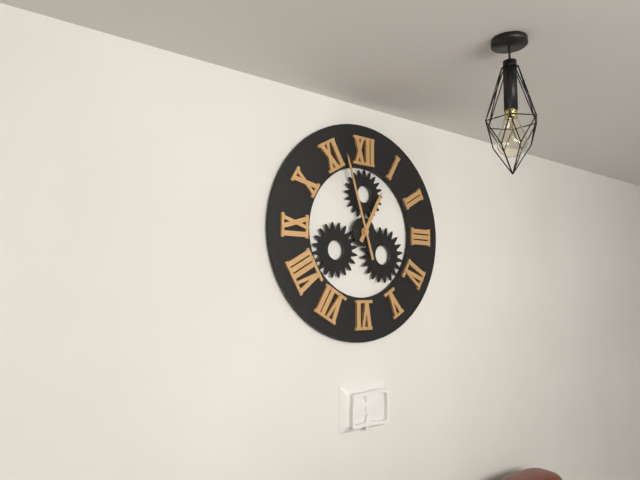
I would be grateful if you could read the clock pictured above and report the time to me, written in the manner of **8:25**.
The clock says **12:57**
